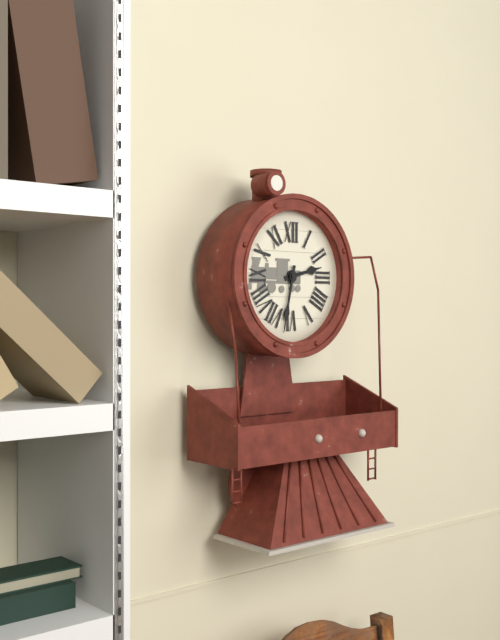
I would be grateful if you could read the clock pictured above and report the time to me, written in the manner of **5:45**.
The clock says **2:32**
